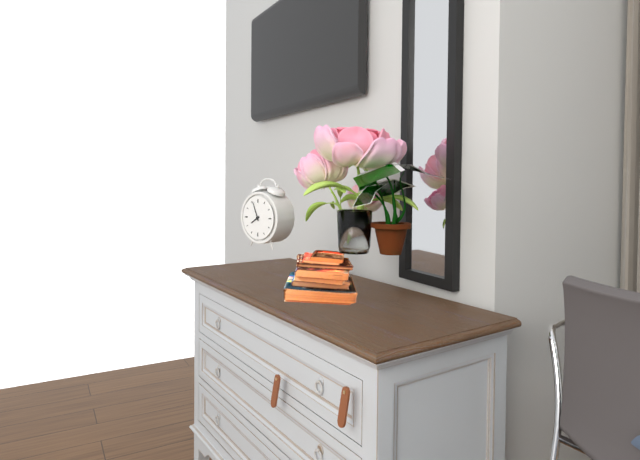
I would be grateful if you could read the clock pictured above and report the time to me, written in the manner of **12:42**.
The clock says **7:56**
